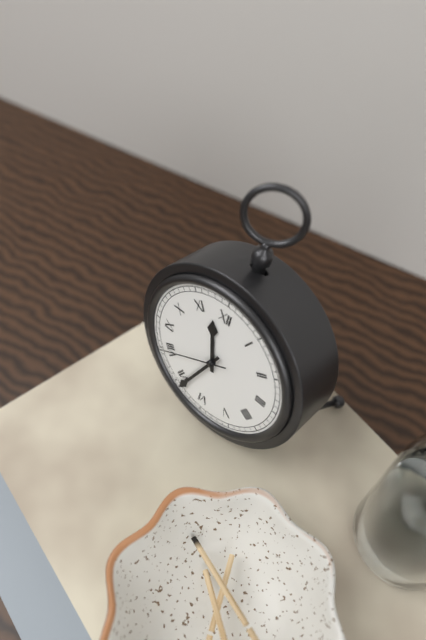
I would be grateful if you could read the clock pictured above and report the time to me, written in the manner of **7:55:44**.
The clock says **11:34:40**
